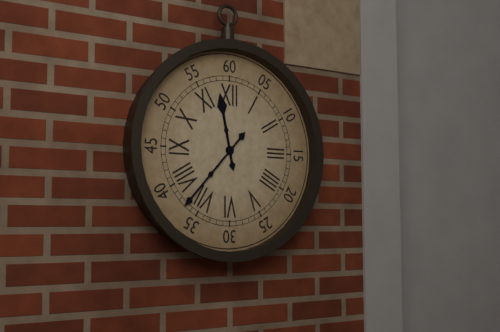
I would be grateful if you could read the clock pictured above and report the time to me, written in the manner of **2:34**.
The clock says **11:37**
